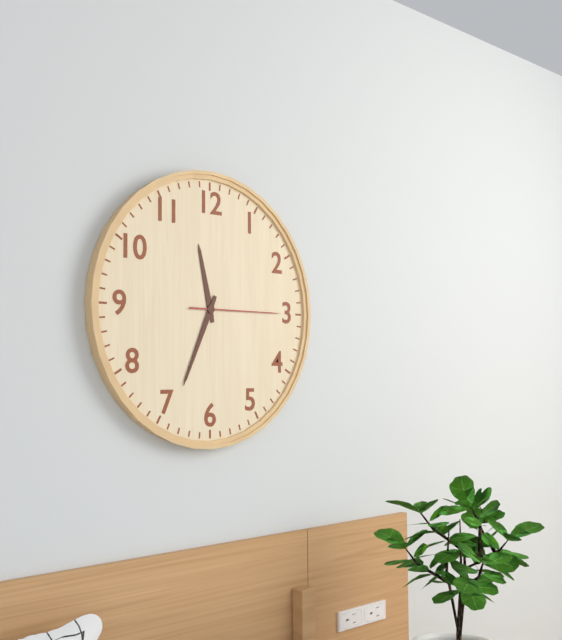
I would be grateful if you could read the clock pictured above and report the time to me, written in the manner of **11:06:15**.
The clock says **11:34:15**
